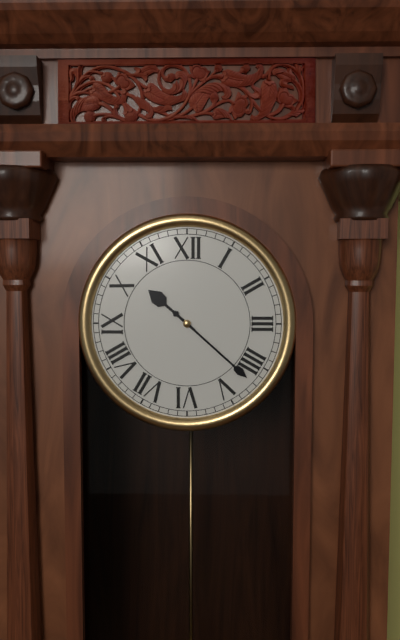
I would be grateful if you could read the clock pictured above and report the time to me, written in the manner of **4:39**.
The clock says **10:22**
